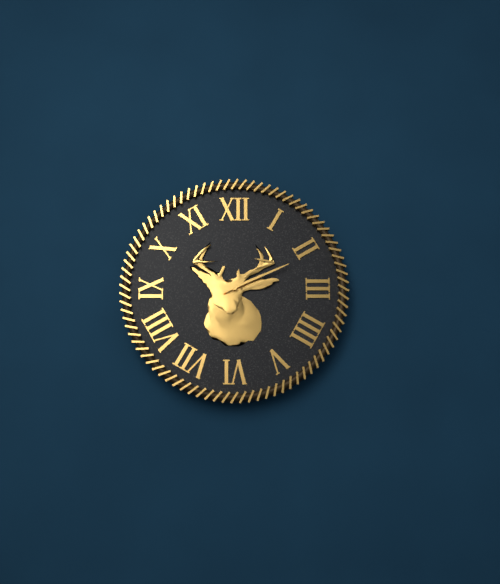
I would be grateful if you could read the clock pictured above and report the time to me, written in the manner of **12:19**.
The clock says **2:11**
